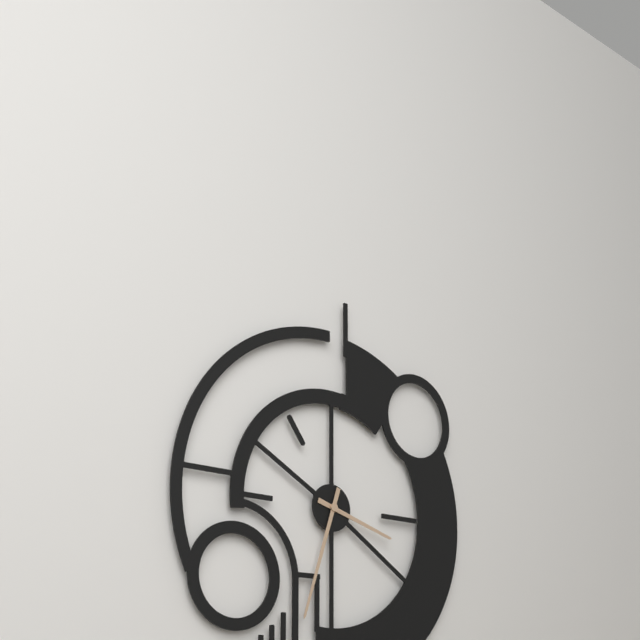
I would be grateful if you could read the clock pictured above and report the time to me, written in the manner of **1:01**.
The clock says **3:33**
